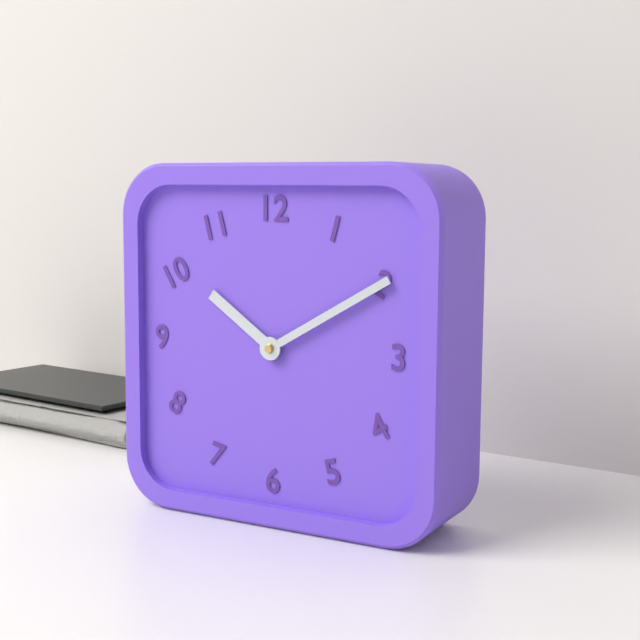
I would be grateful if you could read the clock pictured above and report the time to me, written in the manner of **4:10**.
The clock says **10:10**
